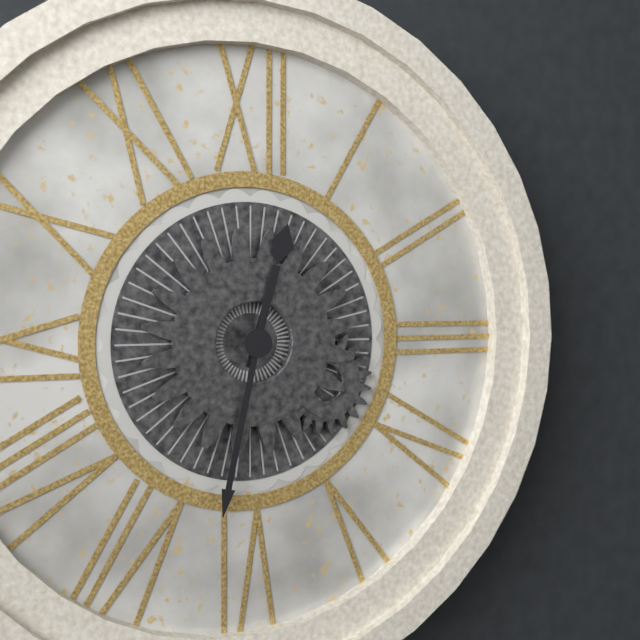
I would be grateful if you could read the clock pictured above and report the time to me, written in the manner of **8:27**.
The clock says **12:32**
